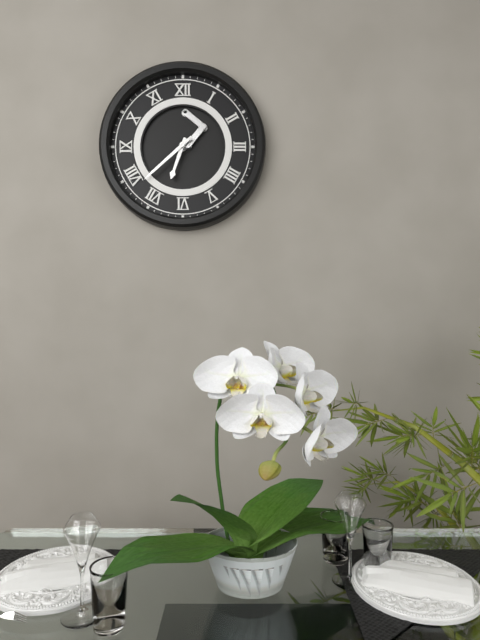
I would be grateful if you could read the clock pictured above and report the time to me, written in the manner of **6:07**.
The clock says **6:38**
